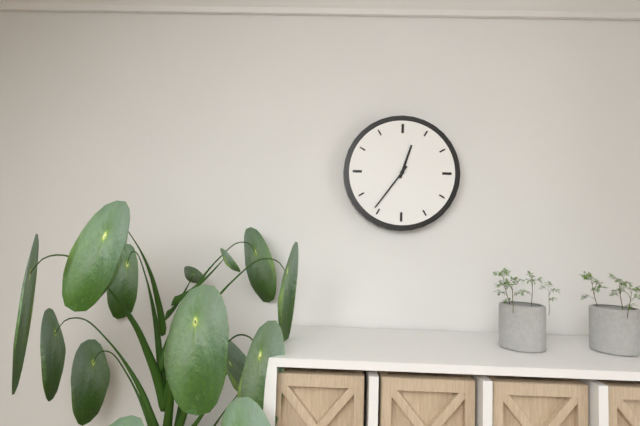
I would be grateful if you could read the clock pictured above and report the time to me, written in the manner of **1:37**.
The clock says **12:36**
